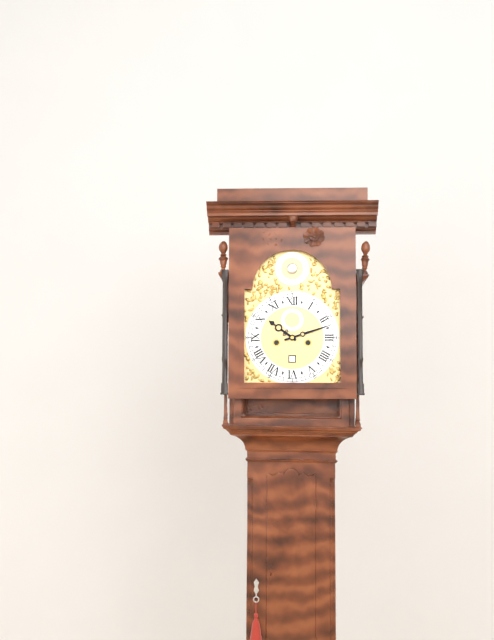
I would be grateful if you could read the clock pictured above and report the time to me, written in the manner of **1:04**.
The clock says **10:12**
